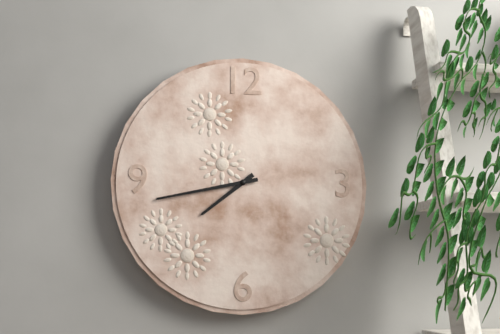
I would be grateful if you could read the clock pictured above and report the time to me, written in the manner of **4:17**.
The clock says **7:43**
